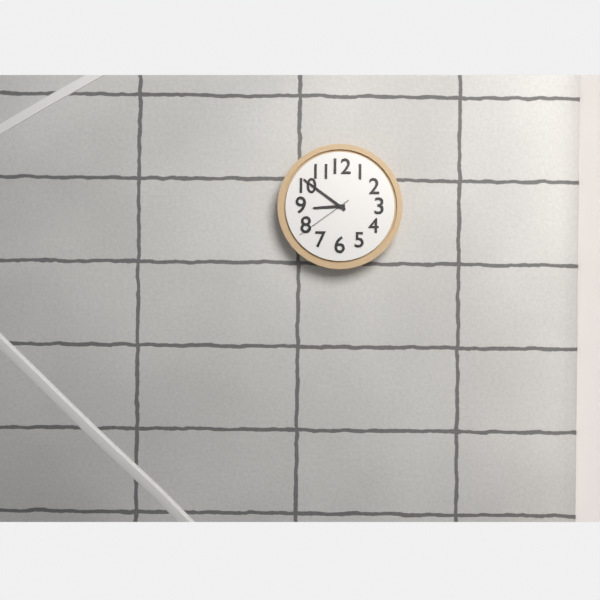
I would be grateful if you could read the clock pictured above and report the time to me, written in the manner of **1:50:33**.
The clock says **8:51:39**
